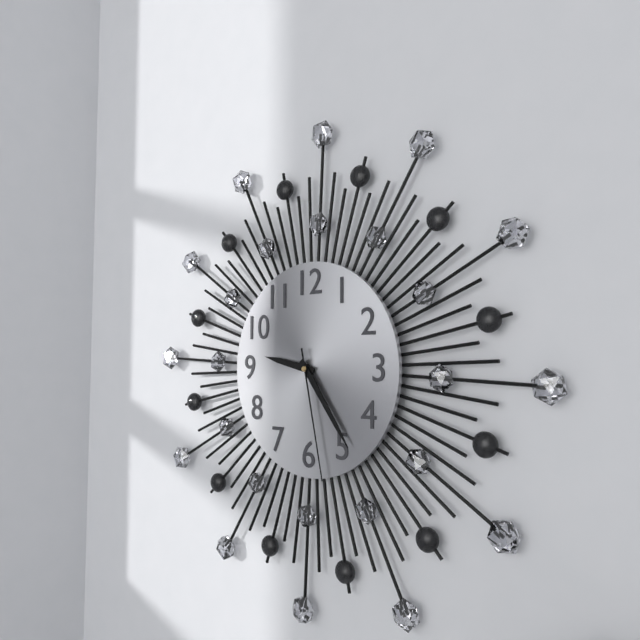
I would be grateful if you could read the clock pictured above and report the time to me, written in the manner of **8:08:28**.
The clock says **9:24:28**
